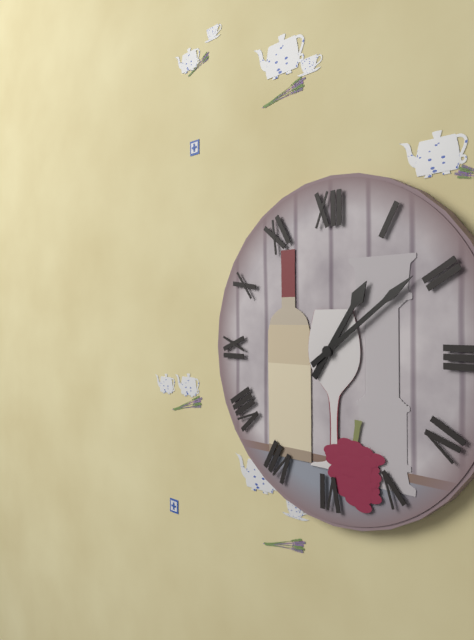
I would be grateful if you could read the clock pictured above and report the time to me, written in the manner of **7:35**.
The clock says **1:09**
